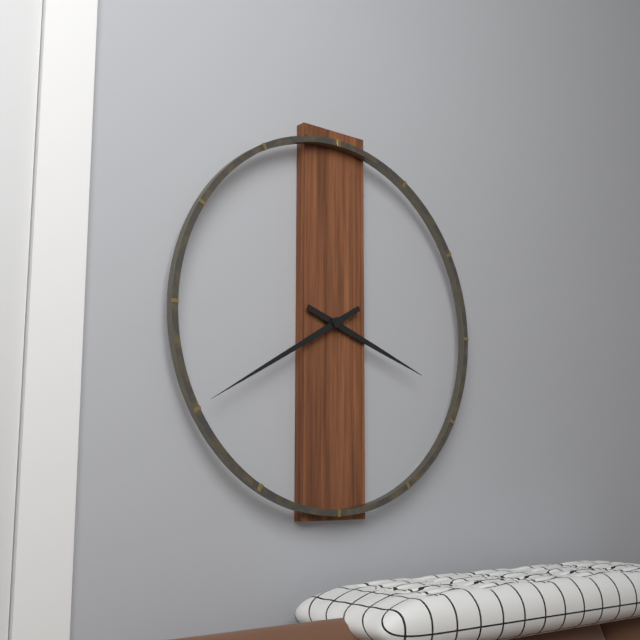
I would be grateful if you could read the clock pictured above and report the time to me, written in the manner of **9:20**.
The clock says **3:40**
